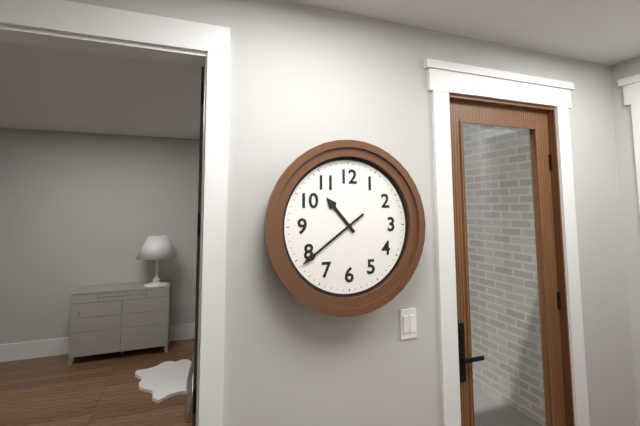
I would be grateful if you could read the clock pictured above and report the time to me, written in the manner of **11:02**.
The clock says **10:39**
